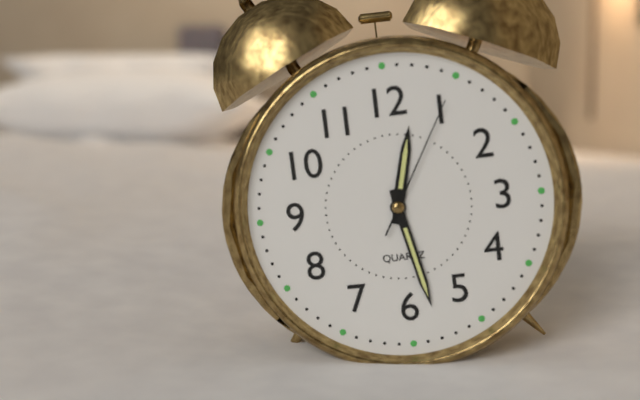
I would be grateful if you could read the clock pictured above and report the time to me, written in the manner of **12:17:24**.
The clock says **12:28:05**
